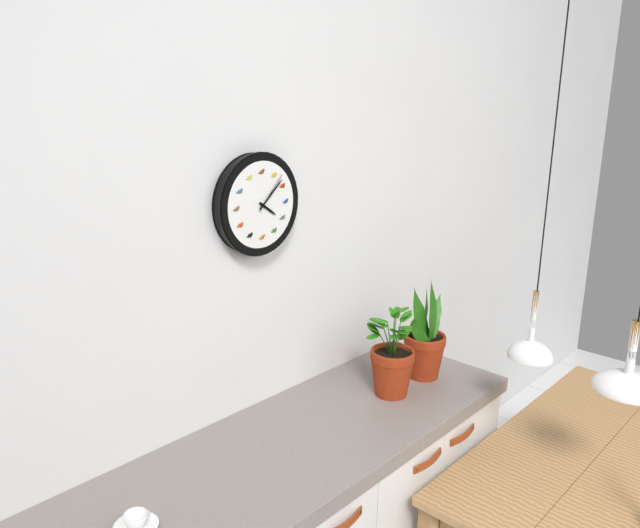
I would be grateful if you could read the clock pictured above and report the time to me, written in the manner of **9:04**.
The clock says **4:08**
